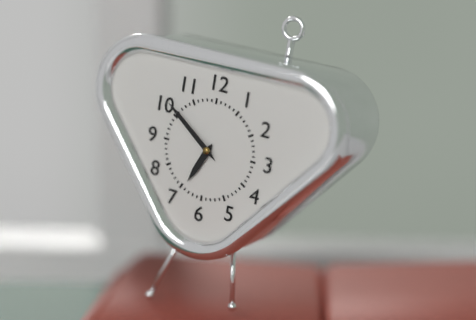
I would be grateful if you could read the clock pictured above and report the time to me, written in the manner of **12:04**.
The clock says **6:51**
